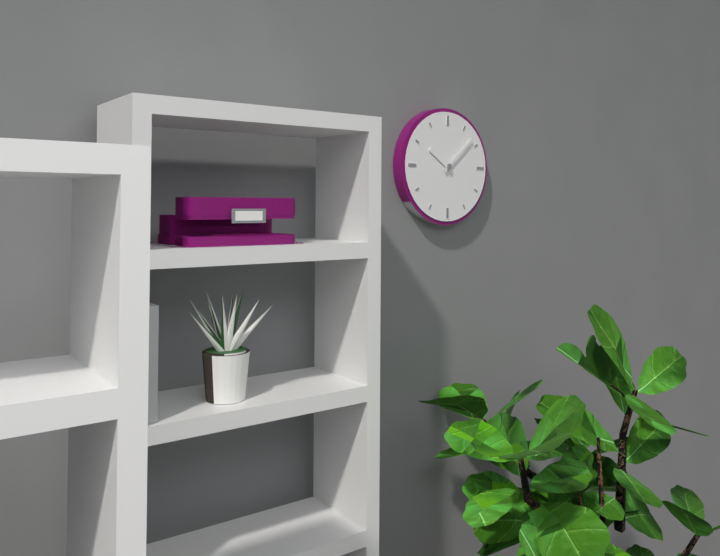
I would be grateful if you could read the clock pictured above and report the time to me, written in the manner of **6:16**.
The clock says **10:08**
